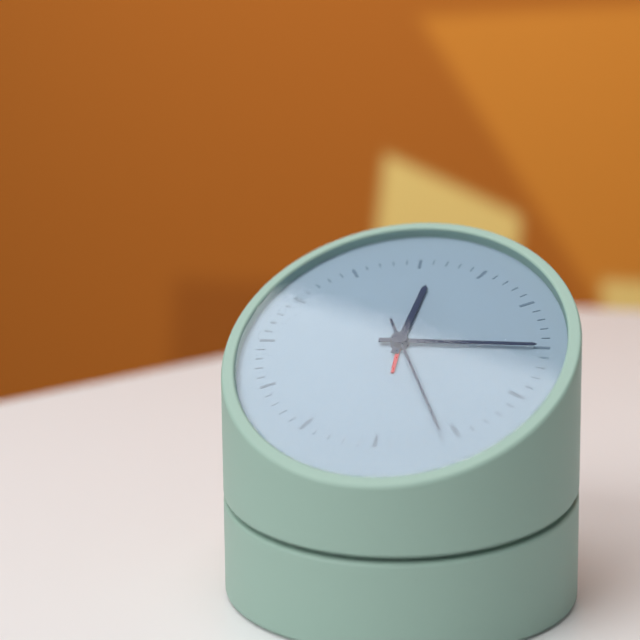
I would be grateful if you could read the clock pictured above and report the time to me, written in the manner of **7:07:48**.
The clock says **12:15:26**
